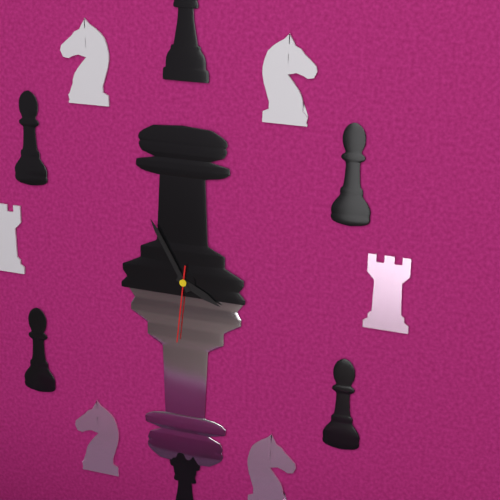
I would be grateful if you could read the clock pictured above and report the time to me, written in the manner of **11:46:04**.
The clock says **3:55:31**
